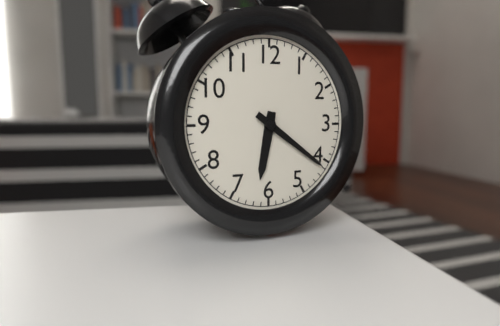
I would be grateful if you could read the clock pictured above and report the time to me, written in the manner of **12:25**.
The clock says **6:21**
